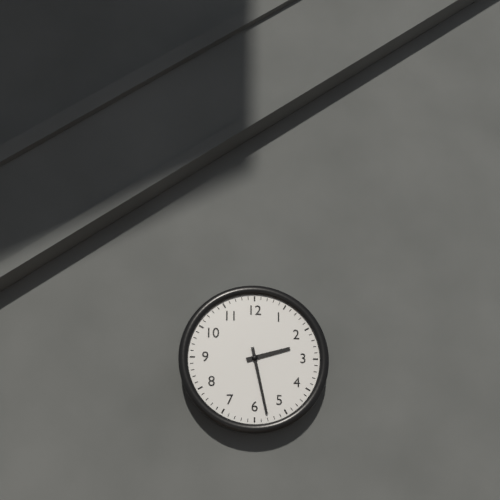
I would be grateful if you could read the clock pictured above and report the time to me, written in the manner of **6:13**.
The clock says **2:28**
